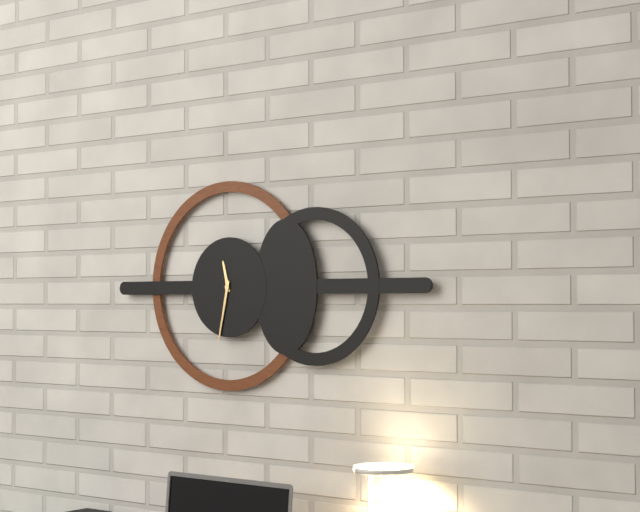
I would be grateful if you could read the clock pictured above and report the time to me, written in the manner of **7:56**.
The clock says **11:32**
